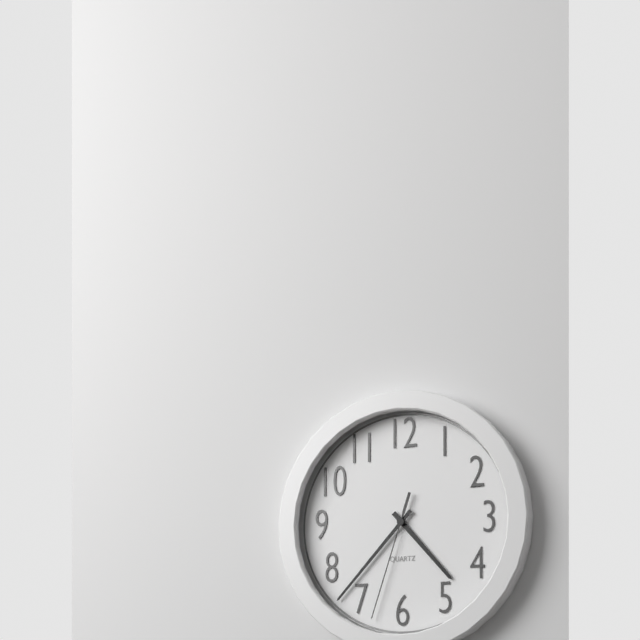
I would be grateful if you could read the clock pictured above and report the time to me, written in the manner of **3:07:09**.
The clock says **4:37:33**
